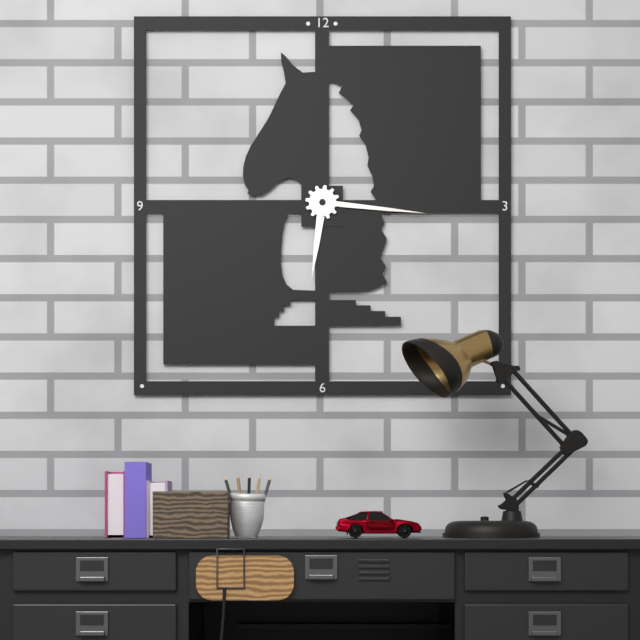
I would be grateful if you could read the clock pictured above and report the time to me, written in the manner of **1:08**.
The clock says **6:16**
